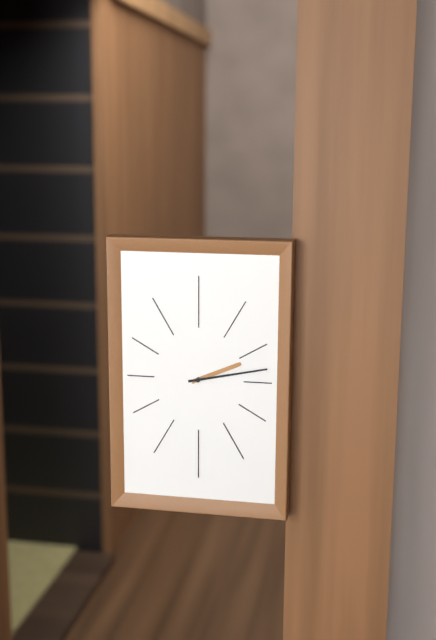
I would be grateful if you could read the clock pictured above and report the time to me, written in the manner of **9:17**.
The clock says **2:13**
